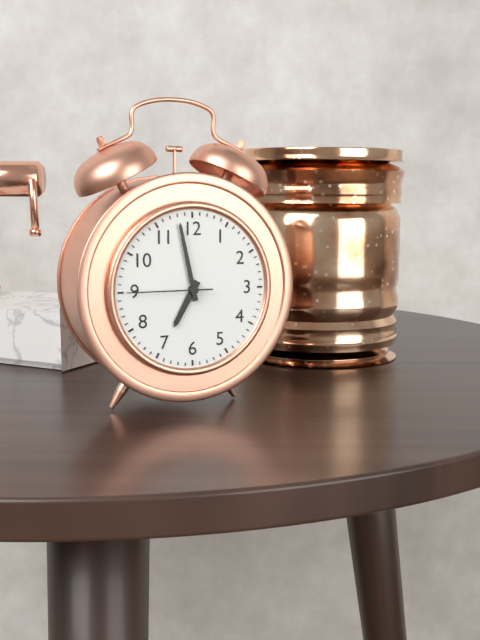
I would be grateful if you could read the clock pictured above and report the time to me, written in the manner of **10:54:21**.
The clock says **6:58:45**
